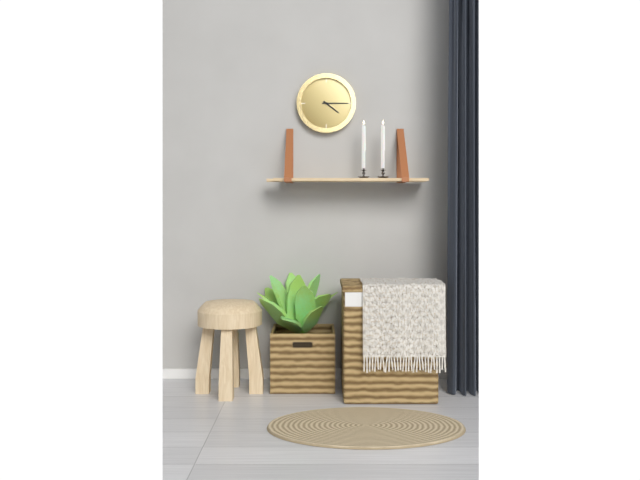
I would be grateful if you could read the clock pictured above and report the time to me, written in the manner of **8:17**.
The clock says **4:15**
